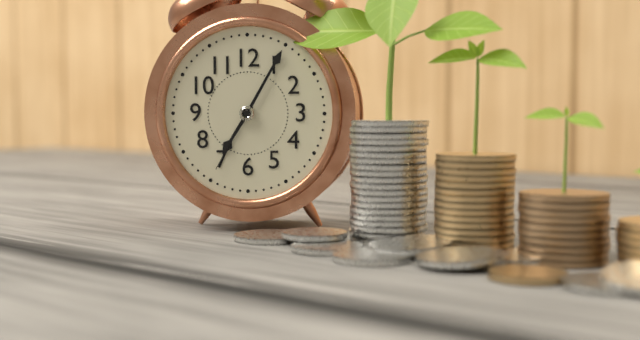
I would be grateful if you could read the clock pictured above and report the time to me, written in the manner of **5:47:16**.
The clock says **7:05:35**
